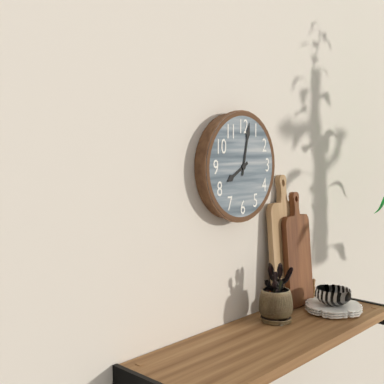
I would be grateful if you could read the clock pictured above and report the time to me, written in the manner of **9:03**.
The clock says **8:02**
